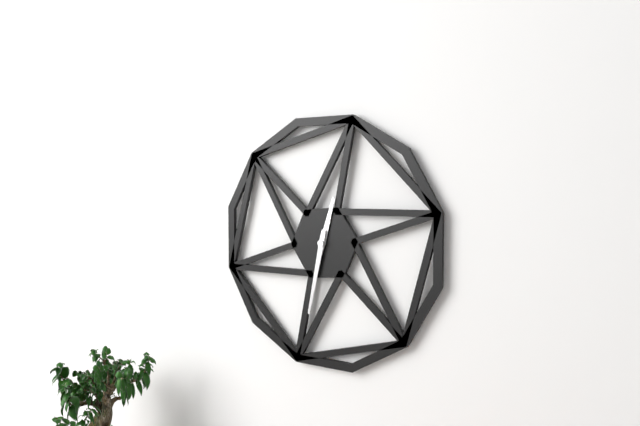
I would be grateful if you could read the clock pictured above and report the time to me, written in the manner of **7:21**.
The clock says **12:32**
